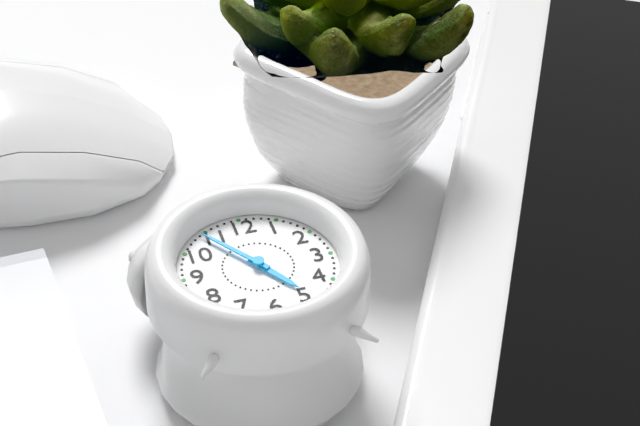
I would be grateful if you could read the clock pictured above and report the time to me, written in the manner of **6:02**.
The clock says **4:54**
